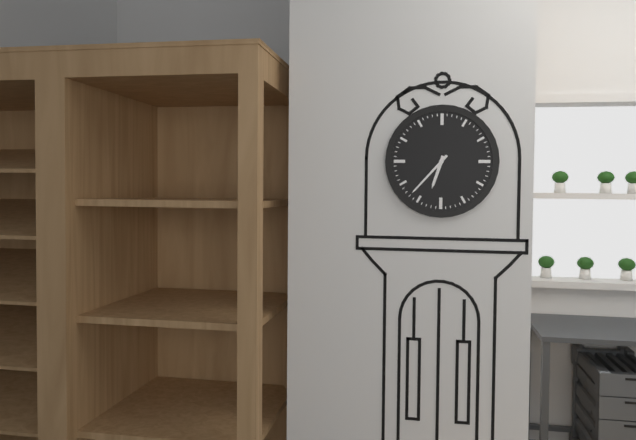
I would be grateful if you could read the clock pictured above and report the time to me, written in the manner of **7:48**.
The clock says **6:37**
